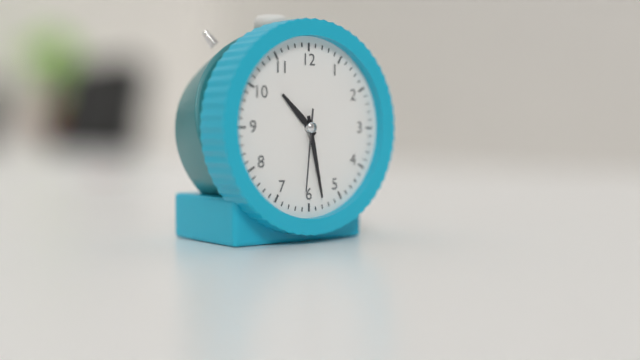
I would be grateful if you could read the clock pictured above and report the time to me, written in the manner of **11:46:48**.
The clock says **10:28:31**
